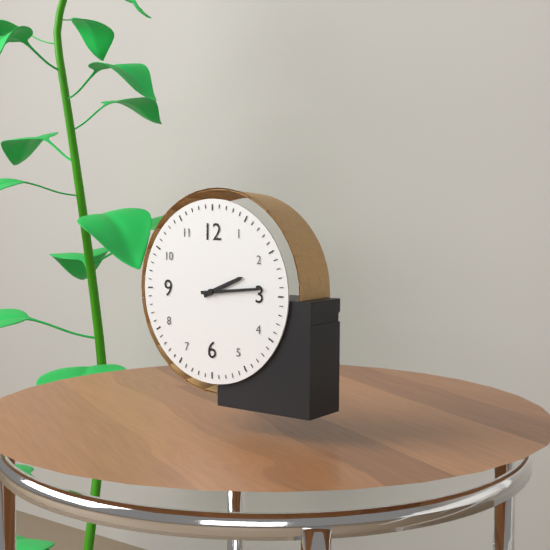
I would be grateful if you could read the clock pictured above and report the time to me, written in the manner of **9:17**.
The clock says **2:14**
